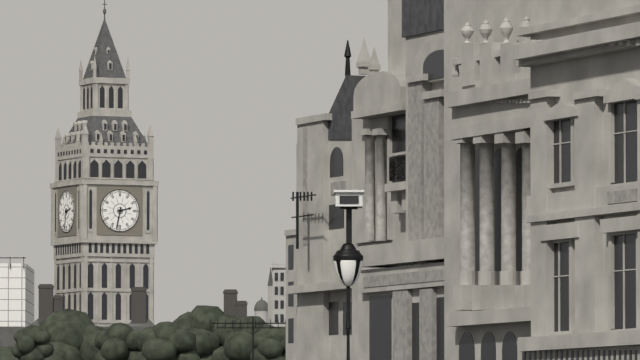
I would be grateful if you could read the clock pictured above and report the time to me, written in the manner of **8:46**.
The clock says **2:32**
